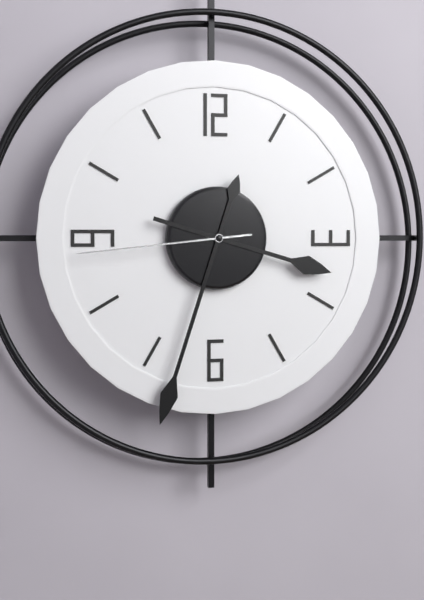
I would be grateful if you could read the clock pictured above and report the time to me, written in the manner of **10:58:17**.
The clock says **3:33:44**
